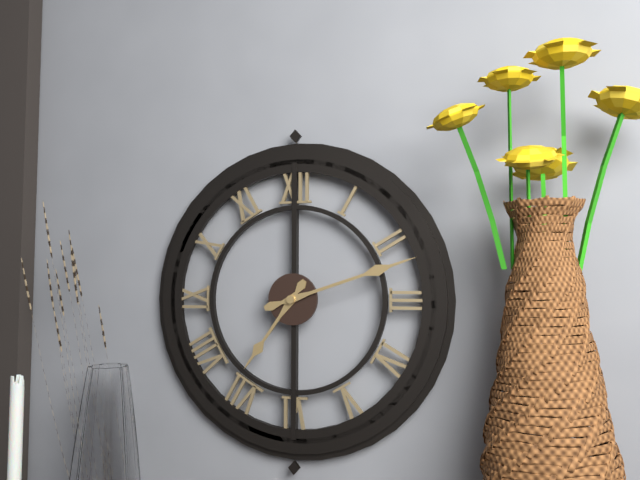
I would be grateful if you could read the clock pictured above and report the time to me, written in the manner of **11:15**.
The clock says **7:12**
